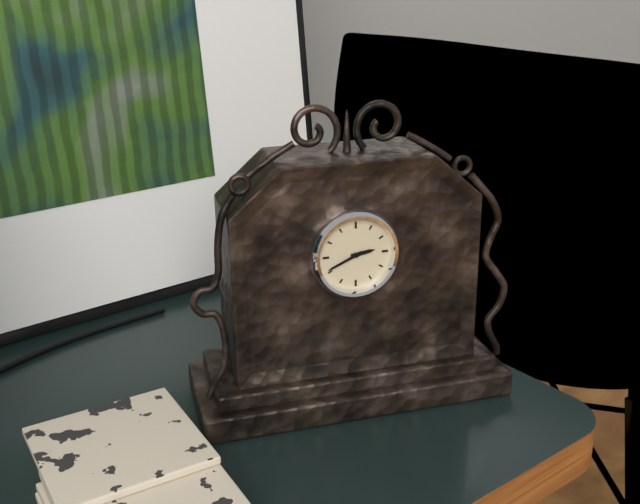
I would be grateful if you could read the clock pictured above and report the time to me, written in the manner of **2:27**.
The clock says **2:41**
